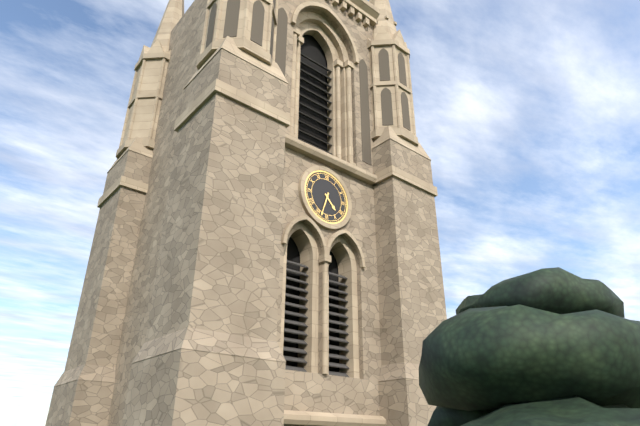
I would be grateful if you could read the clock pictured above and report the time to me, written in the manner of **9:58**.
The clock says **4:33**
